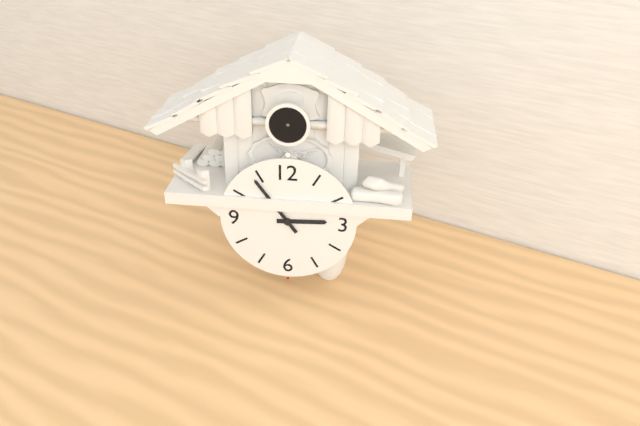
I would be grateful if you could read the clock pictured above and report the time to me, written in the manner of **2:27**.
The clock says **2:54**
